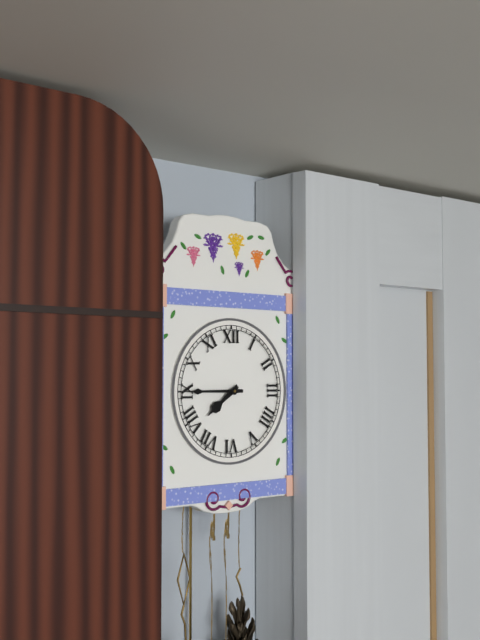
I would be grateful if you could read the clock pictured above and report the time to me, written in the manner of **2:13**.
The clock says **7:45**
